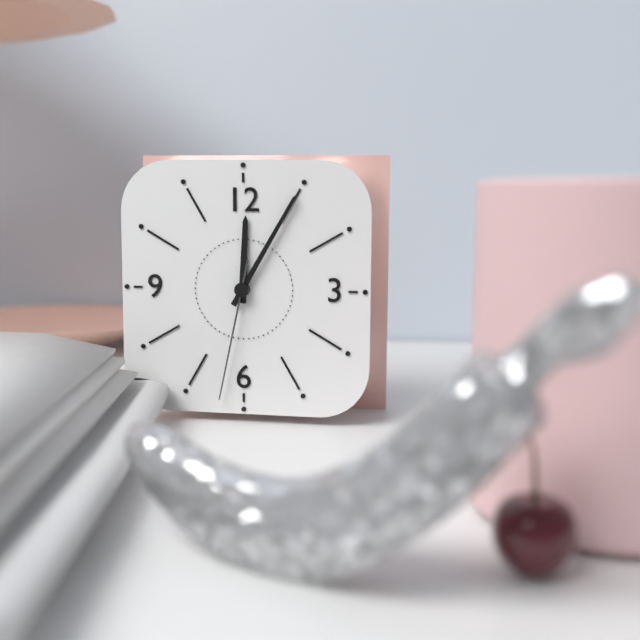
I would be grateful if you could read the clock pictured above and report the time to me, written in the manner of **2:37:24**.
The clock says **12:05:32**
